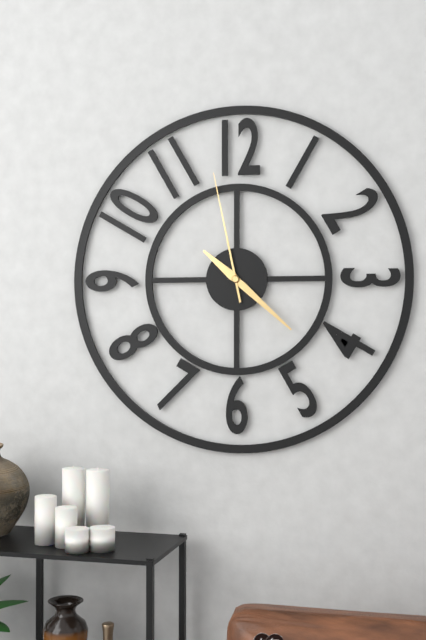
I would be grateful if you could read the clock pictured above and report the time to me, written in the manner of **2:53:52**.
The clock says **10:22:58**
